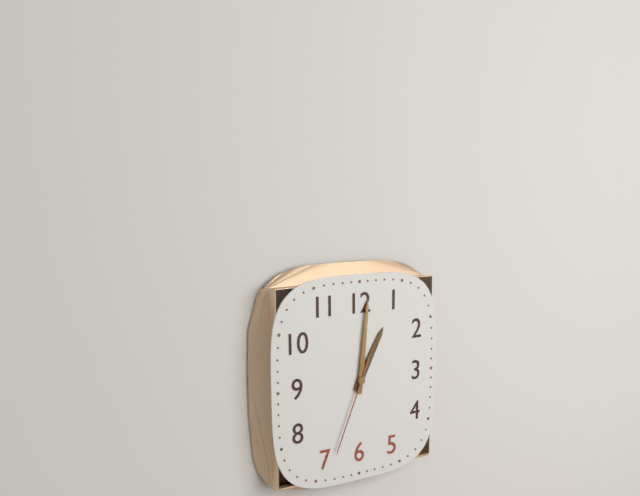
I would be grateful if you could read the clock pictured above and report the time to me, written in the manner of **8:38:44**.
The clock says **1:01:34**
